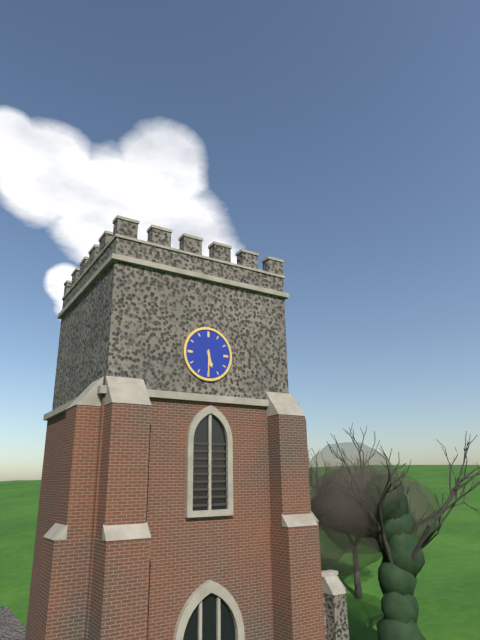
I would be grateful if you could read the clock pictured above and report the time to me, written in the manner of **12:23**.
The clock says **5:30**
